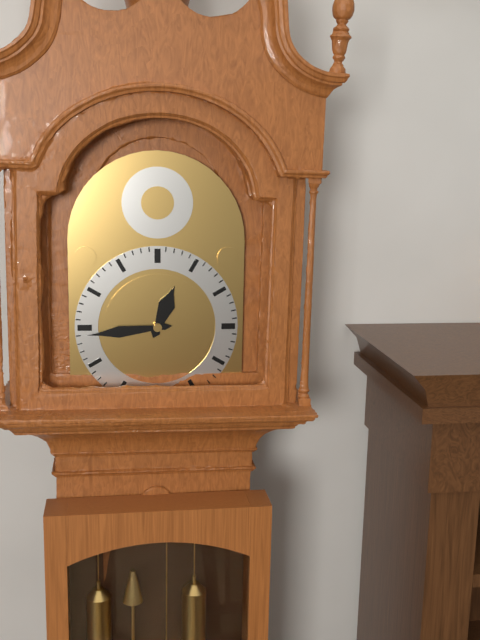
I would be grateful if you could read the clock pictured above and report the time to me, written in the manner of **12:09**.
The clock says **12:44**
